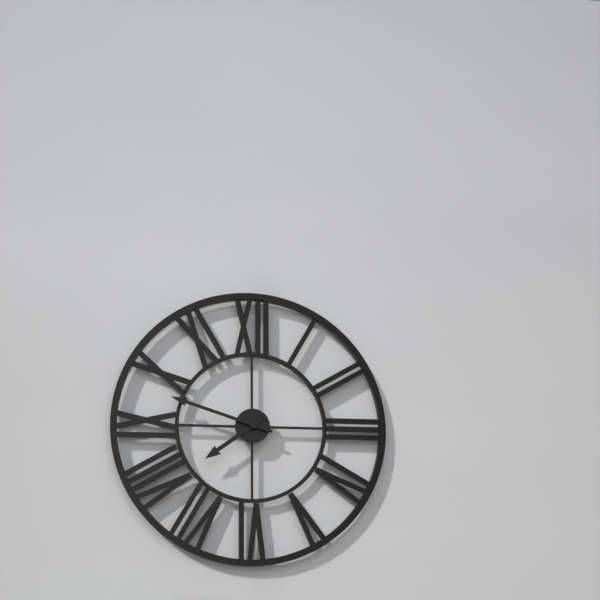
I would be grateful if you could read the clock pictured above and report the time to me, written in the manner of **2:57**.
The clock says **7:48**
